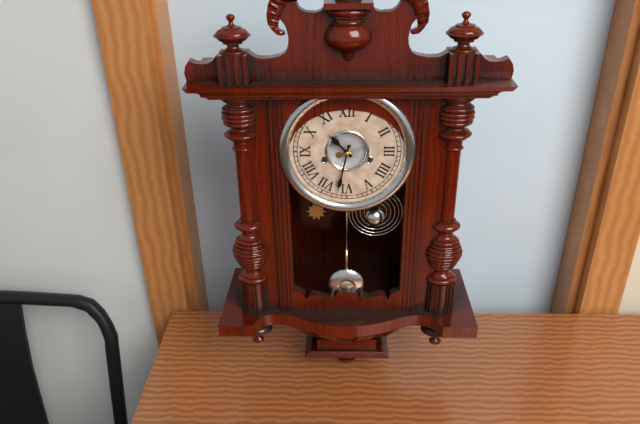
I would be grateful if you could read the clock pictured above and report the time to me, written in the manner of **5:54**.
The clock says **10:32**
